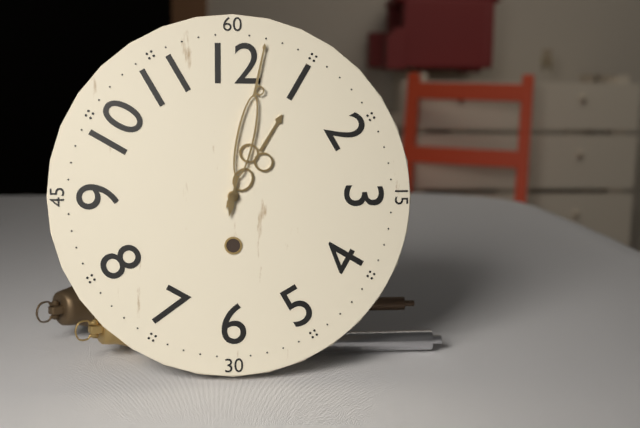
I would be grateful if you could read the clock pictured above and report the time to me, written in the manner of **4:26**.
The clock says **1:02**
